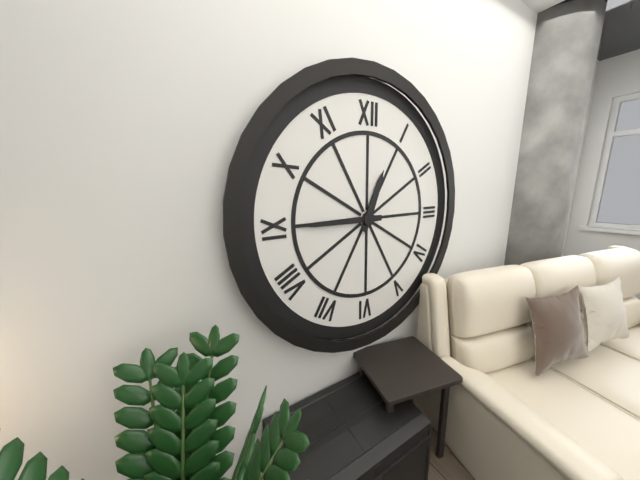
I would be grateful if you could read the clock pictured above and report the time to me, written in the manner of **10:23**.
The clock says **12:45**
